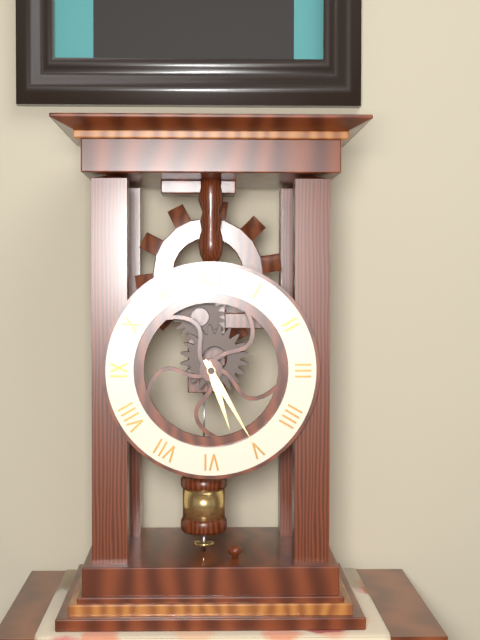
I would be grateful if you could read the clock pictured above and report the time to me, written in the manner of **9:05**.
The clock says **5:25**
